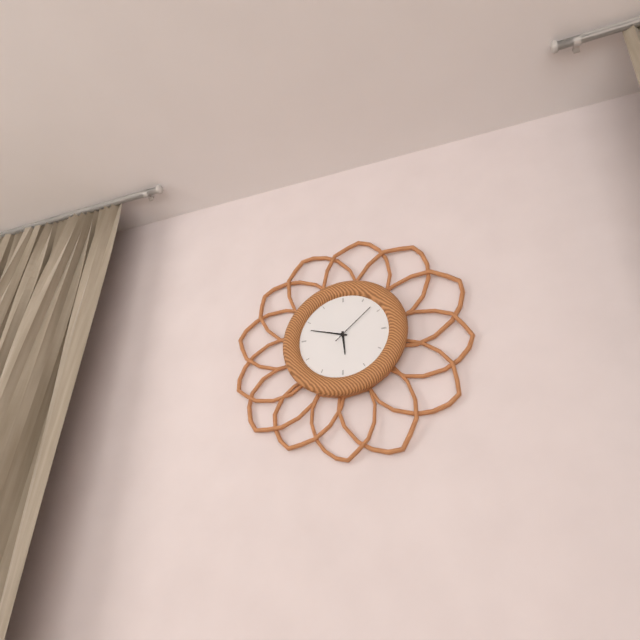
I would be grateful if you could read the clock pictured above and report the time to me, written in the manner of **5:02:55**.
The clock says **5:48:08**
